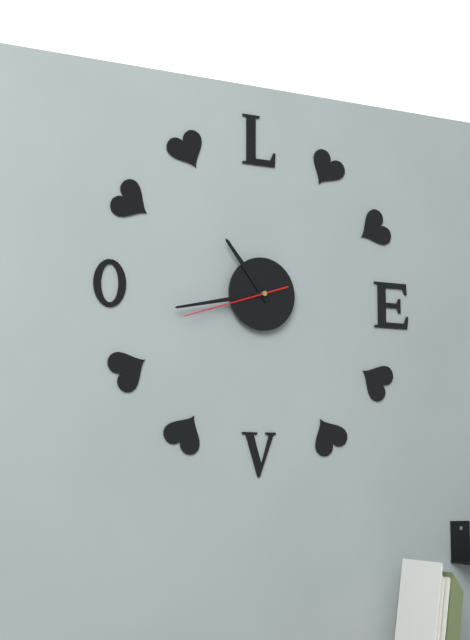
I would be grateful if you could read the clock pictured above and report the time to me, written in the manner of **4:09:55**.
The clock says **10:43:42**
